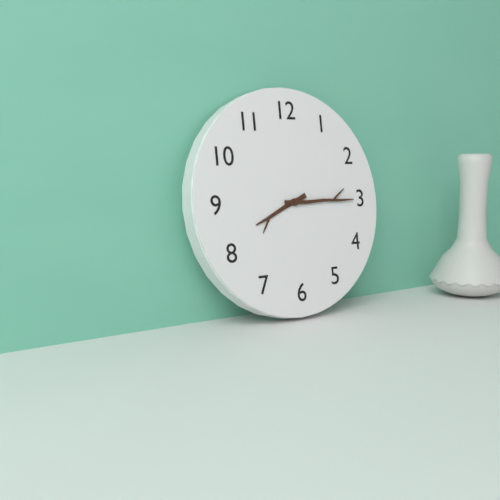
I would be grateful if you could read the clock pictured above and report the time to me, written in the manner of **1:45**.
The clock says **8:15**
